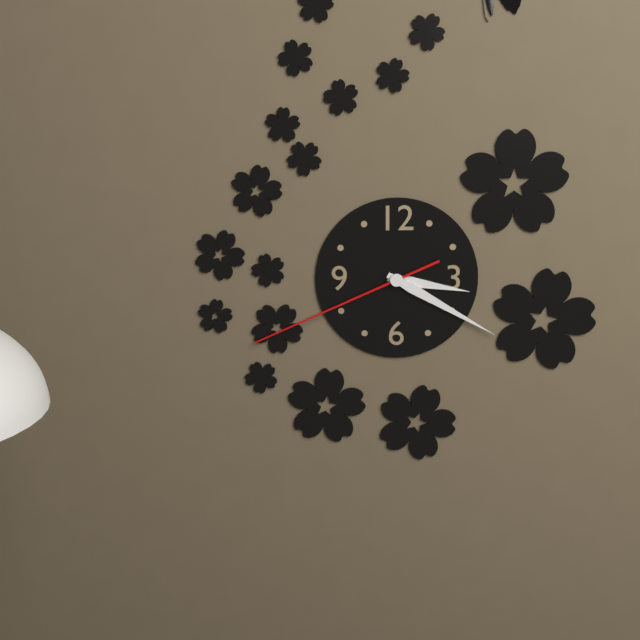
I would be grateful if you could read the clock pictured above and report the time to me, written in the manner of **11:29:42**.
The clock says **3:20:41**
